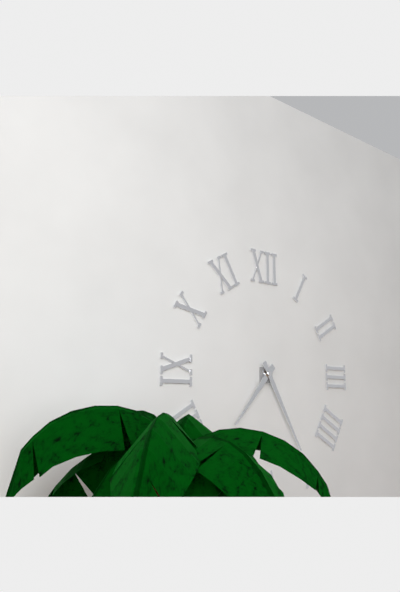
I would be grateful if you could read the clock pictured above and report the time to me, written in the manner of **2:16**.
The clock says **7:25**
